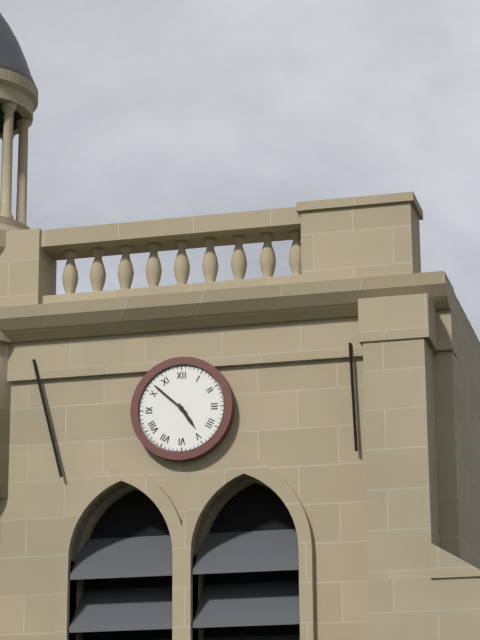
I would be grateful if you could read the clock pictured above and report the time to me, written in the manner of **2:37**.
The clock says **4:52**
